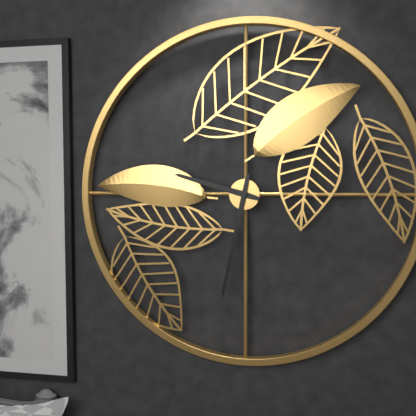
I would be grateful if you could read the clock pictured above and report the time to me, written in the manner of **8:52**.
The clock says **9:32**
